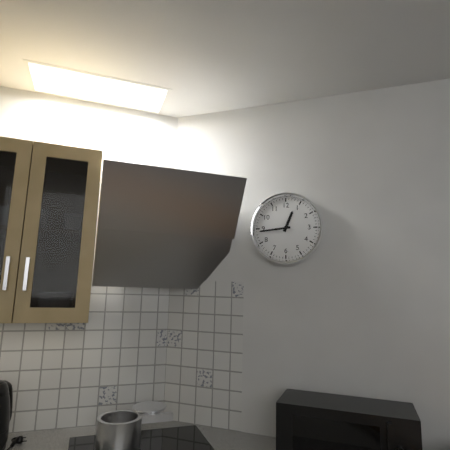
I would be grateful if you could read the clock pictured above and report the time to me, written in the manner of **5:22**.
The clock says **12:44**
